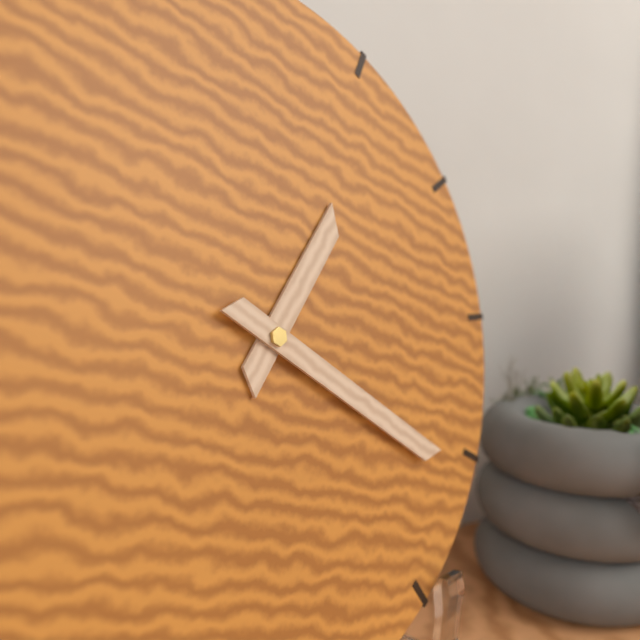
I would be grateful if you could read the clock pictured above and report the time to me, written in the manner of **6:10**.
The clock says **1:21**
